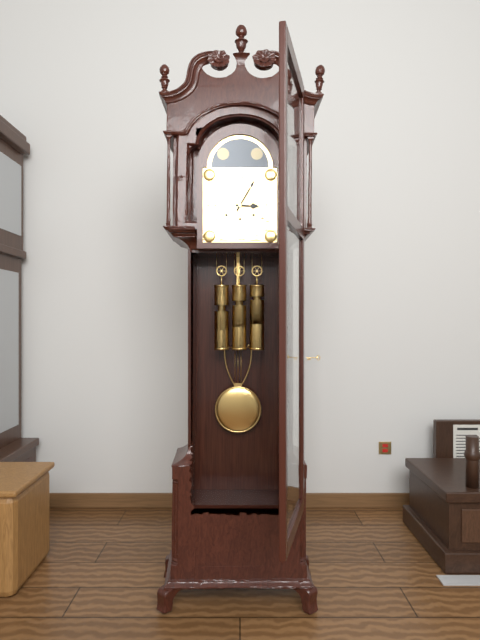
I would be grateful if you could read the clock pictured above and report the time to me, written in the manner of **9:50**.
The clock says **3:05**
